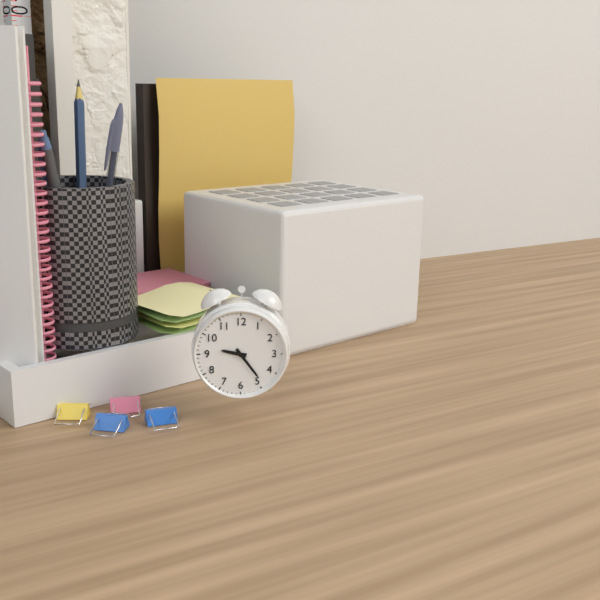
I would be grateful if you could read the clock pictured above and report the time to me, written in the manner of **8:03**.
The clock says **9:24**
